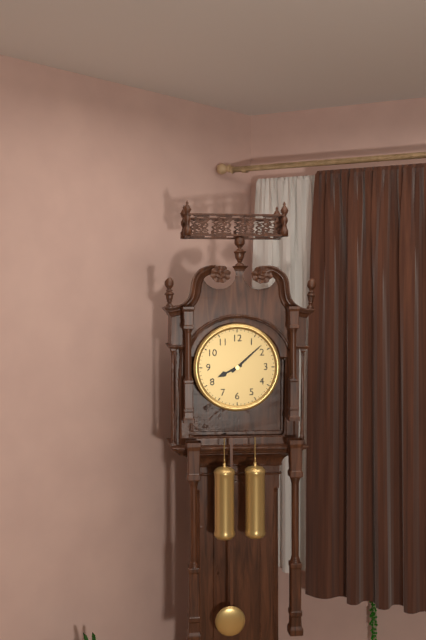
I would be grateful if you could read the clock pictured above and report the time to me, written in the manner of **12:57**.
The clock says **8:08**
